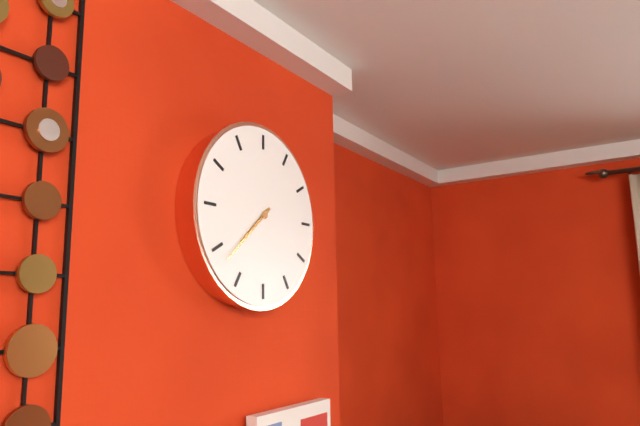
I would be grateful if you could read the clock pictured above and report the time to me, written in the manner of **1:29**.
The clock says **7:38**
